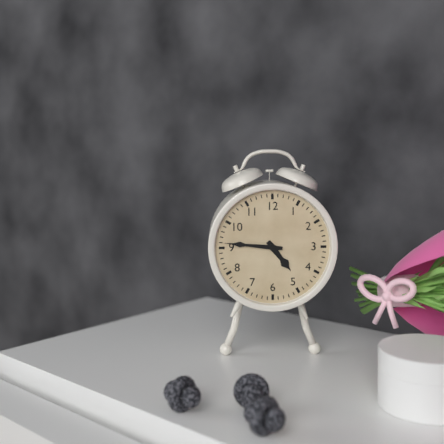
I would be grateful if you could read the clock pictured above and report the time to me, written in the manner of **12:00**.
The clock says **4:46**
